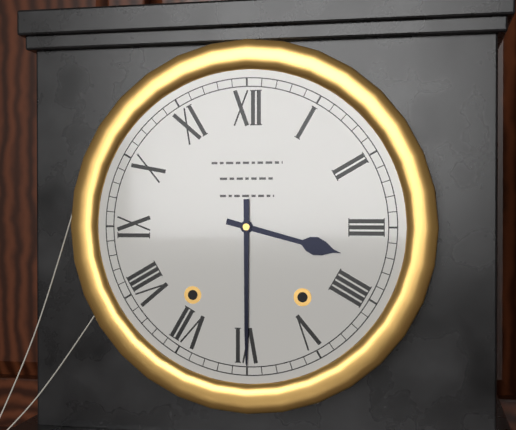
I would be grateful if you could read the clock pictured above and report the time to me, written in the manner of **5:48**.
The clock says **3:30**
